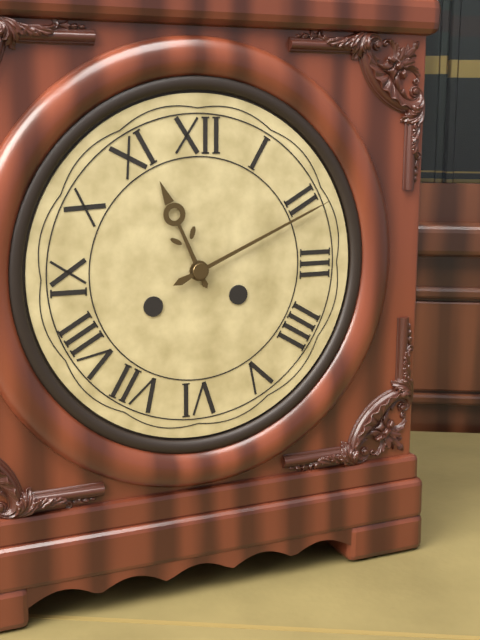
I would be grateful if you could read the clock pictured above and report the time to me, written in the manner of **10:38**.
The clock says **11:11**
